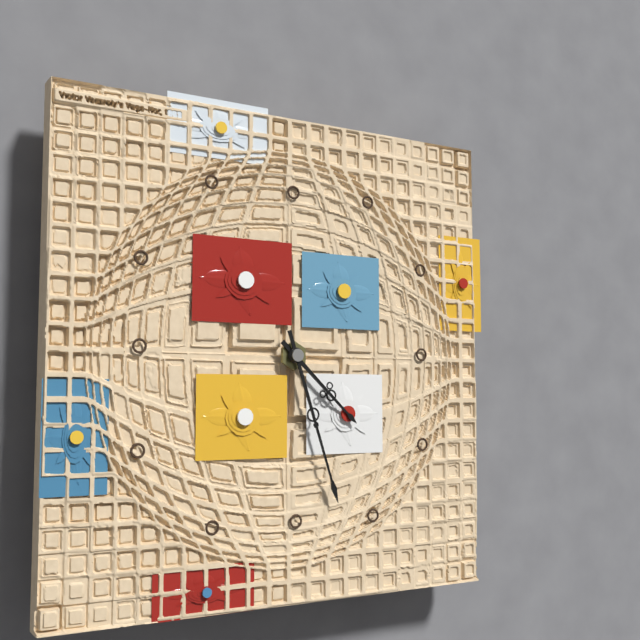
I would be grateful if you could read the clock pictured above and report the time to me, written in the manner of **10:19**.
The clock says **4:27**
